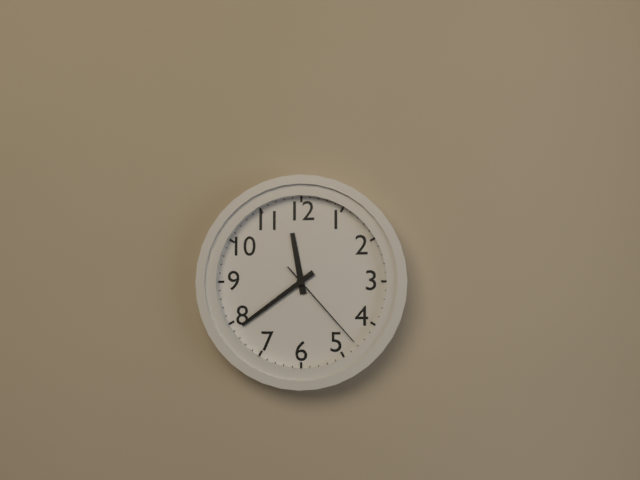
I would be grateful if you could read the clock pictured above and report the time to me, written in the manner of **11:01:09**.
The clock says **11:39:23**
